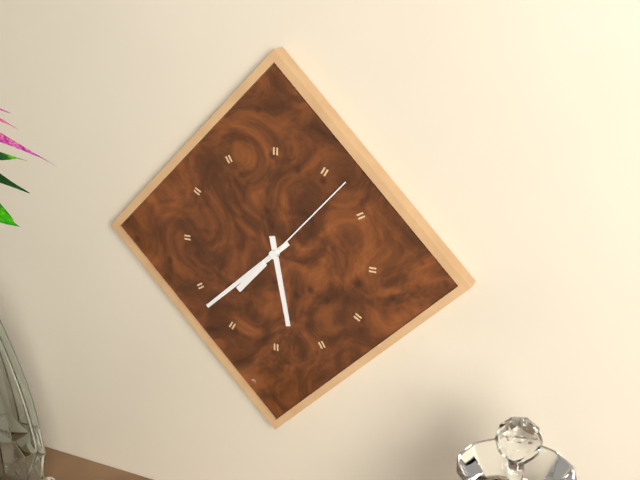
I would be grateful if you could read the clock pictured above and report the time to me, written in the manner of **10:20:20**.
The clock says **5:38:07**
